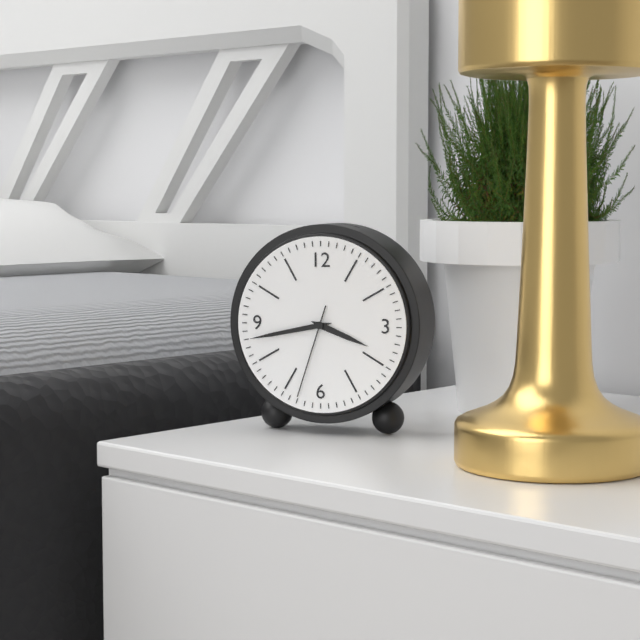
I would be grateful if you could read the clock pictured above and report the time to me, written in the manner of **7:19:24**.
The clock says **3:43:33**
